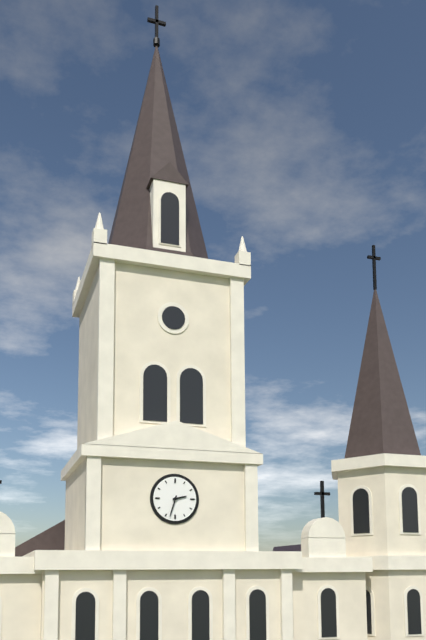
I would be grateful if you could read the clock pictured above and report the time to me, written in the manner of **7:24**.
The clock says **2:33**
